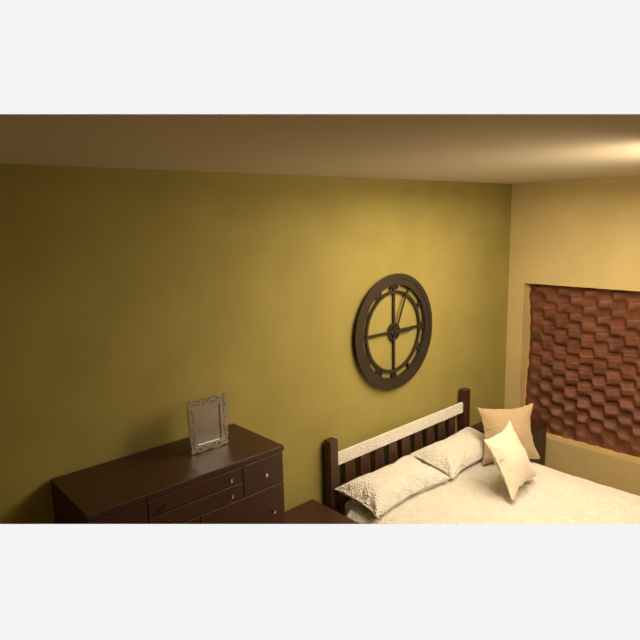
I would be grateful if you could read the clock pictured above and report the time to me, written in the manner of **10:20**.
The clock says **3:04**
